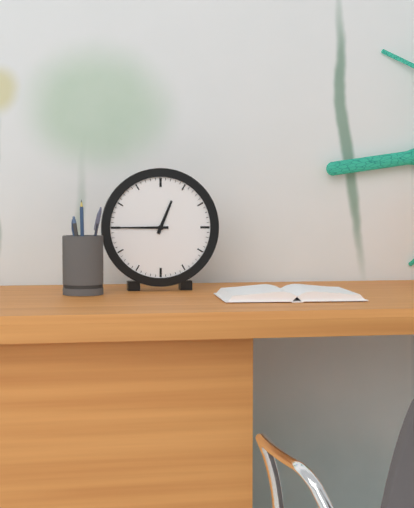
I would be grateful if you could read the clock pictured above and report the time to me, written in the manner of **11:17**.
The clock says **12:45**
